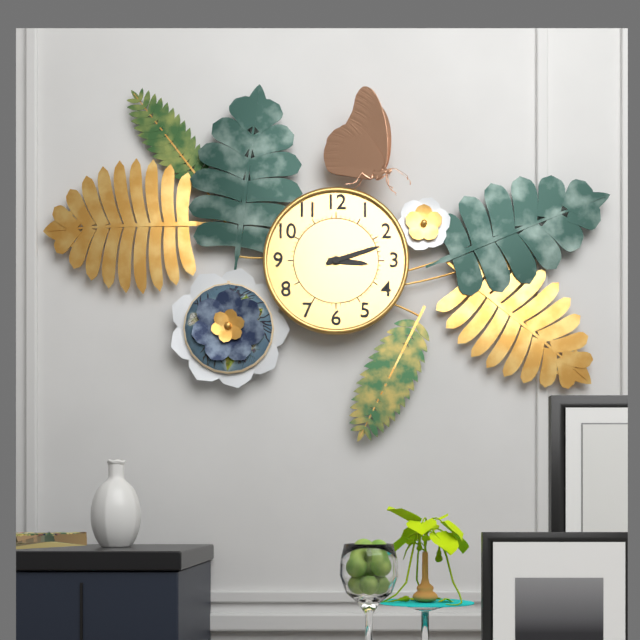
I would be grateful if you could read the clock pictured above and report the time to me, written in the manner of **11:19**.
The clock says **3:12**
